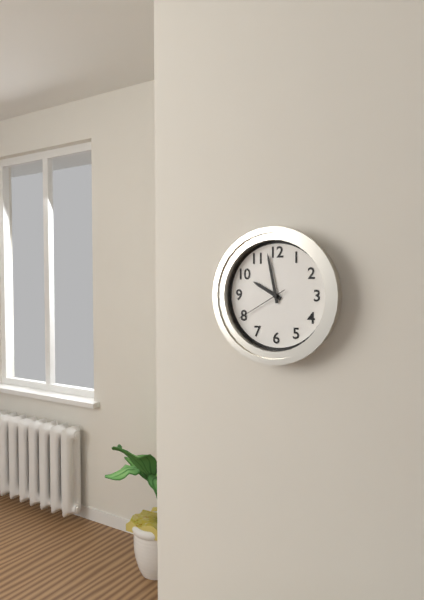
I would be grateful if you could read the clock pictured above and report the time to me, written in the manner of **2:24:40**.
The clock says **9:58:40**
